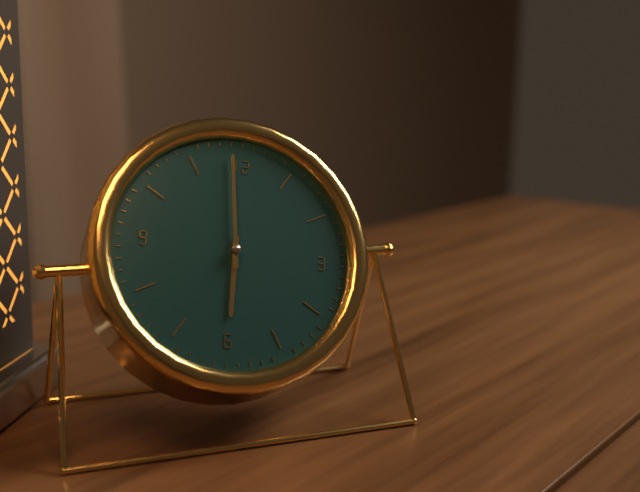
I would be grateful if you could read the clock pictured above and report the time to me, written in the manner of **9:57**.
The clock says **5:59**
